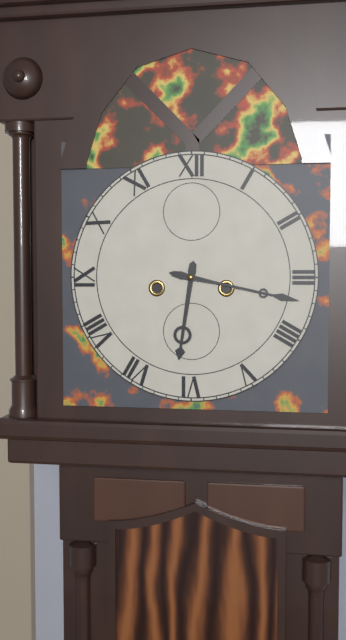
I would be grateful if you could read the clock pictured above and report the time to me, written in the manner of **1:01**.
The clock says **6:17**
